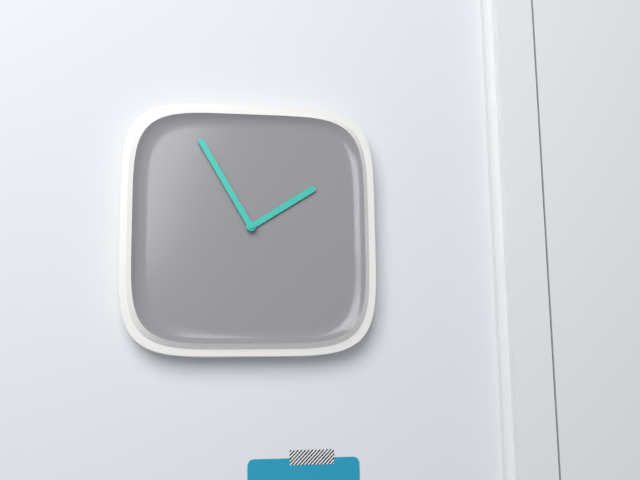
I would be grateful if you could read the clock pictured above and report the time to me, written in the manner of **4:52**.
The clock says **1:55**
